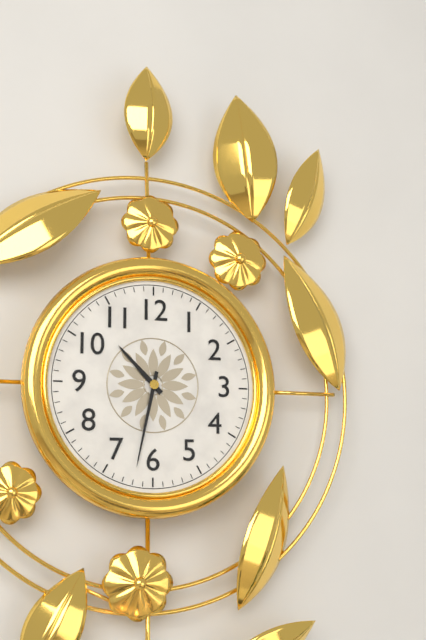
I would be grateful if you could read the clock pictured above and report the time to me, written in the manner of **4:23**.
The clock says **10:32**
